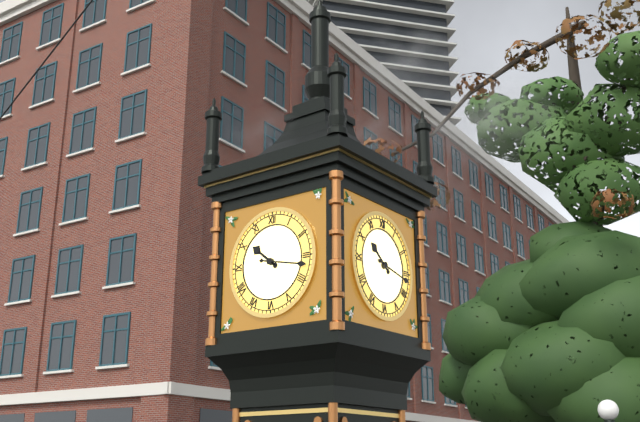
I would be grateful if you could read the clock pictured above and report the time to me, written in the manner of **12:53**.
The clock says **10:17**
